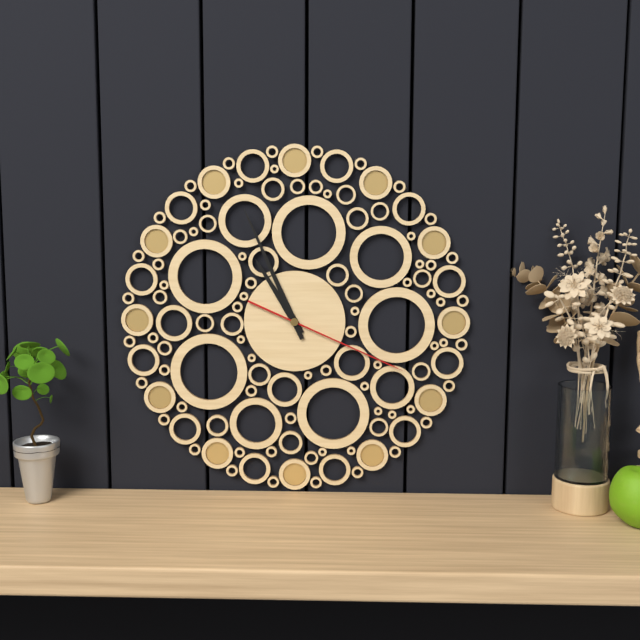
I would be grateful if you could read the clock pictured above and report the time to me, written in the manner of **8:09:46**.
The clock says **10:56:19**
